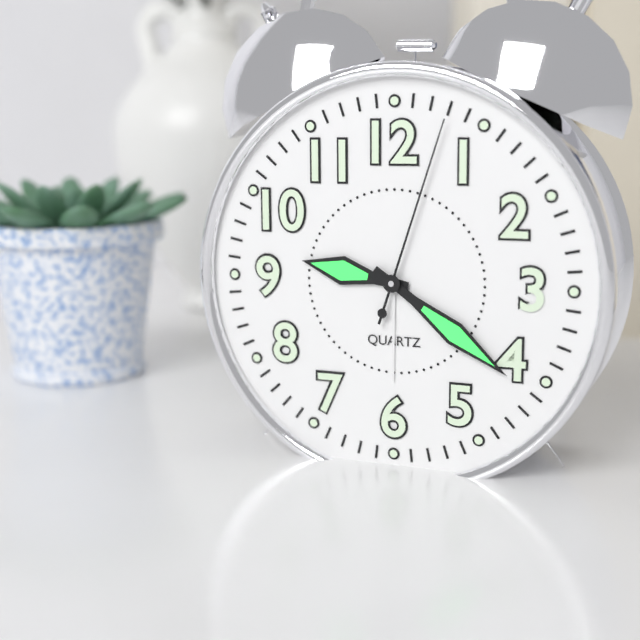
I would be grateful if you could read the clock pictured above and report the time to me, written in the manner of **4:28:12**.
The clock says **9:21:03**
